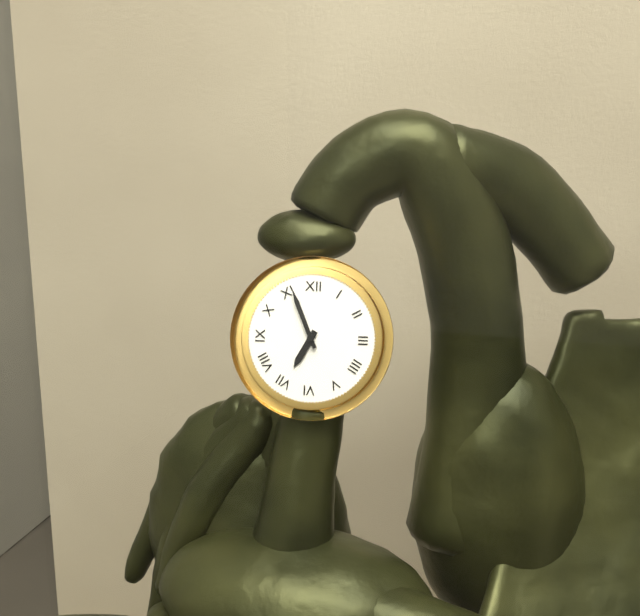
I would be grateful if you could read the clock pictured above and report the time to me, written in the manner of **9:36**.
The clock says **6:56**
